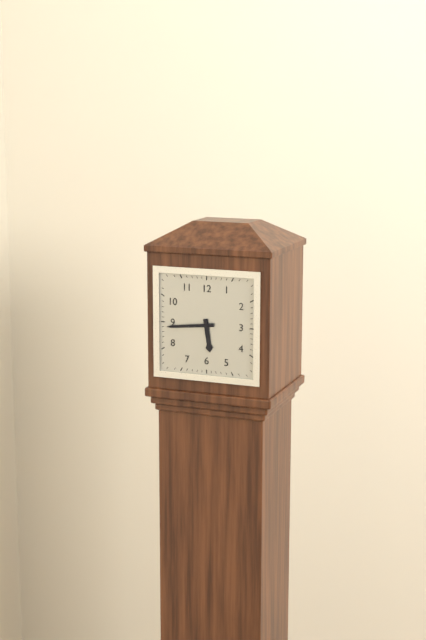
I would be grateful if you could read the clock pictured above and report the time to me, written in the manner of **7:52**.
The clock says **5:44**
